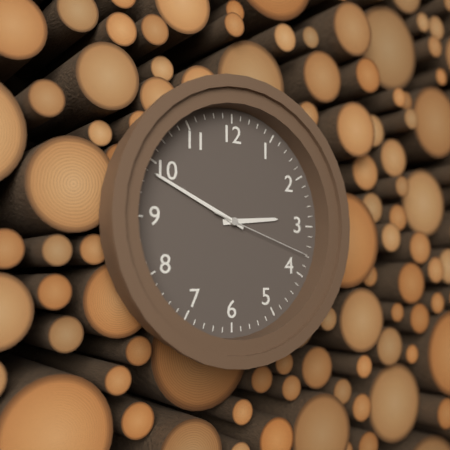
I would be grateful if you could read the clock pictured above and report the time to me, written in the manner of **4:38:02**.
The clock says **2:49:18**
